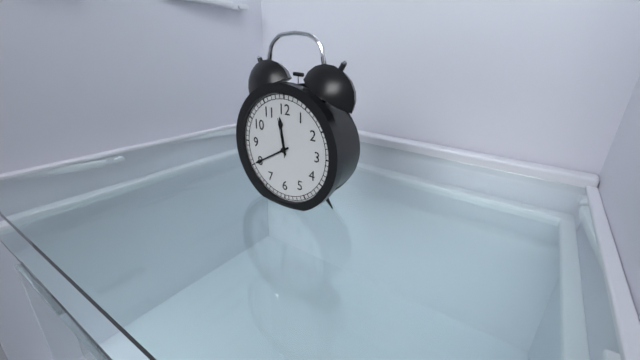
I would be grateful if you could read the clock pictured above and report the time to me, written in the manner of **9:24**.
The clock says **11:40**
